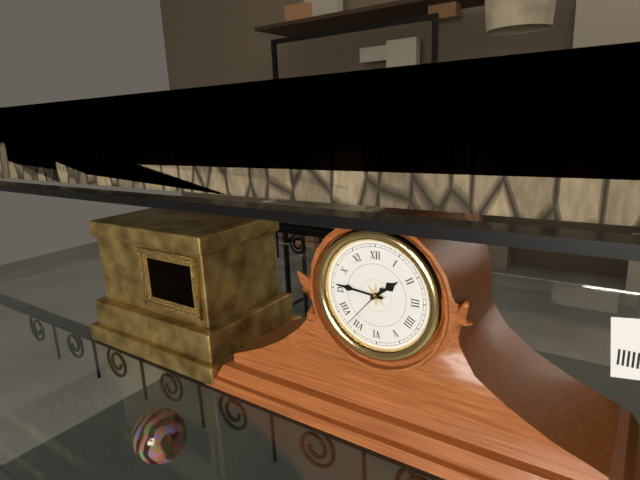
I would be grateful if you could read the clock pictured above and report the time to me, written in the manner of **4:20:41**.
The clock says **1:46:37**
